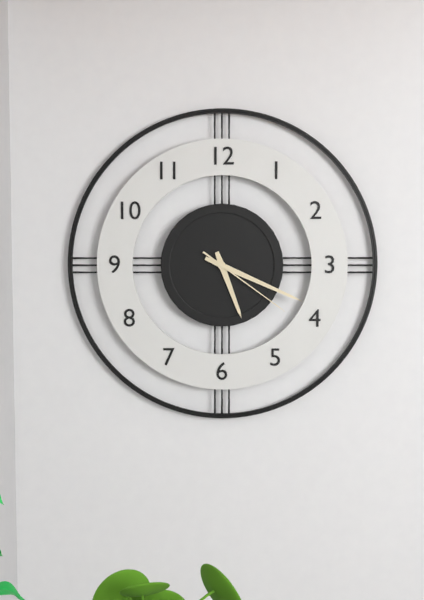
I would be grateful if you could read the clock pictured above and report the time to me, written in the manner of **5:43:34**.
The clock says **5:19:21**
